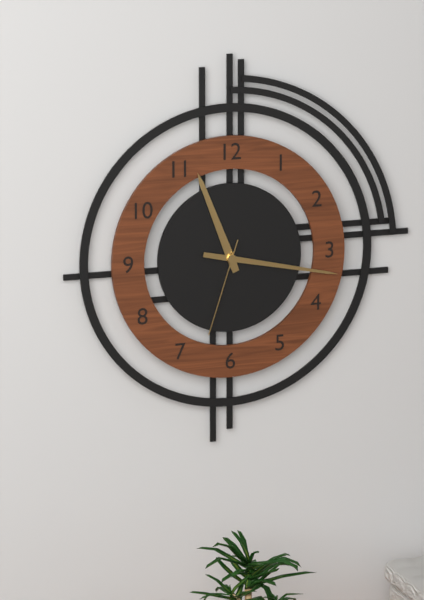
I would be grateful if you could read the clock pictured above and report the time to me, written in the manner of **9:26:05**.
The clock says **11:17:33**
